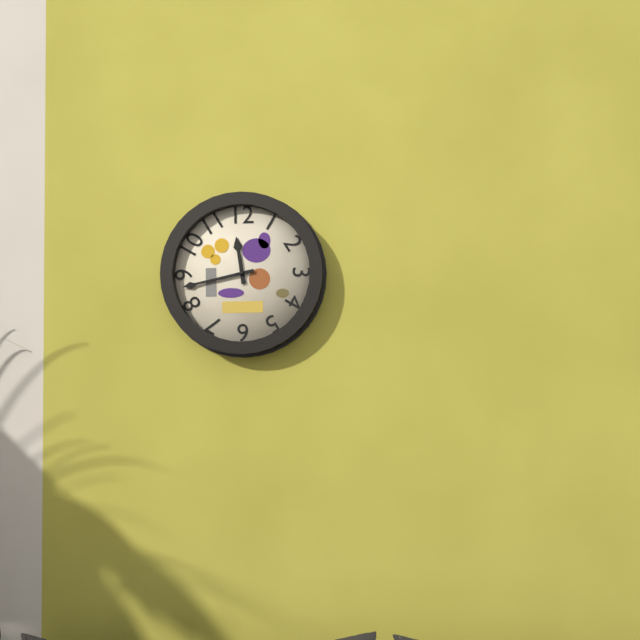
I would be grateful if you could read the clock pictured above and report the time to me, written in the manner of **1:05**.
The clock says **11:43**
